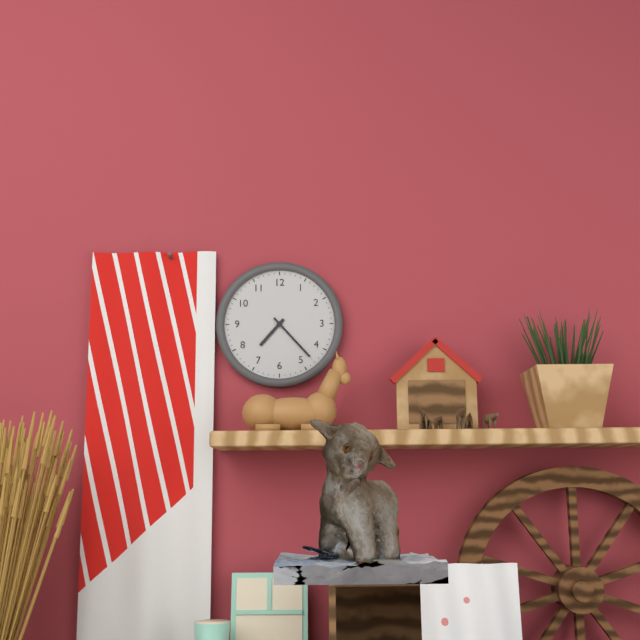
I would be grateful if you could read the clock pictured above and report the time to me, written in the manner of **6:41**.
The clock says **7:23**
